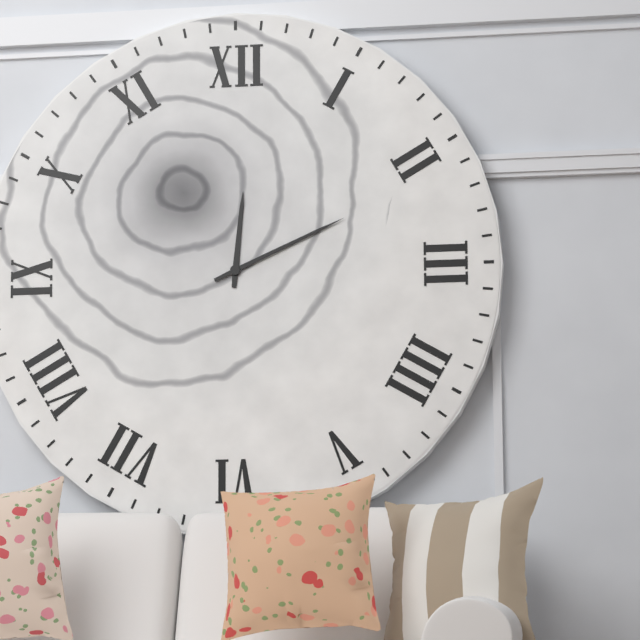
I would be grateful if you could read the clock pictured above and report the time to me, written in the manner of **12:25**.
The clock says **12:11**
